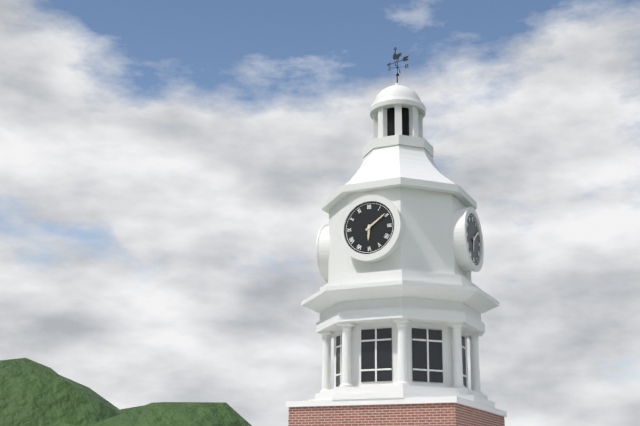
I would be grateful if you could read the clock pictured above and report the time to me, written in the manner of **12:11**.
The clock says **6:09**
